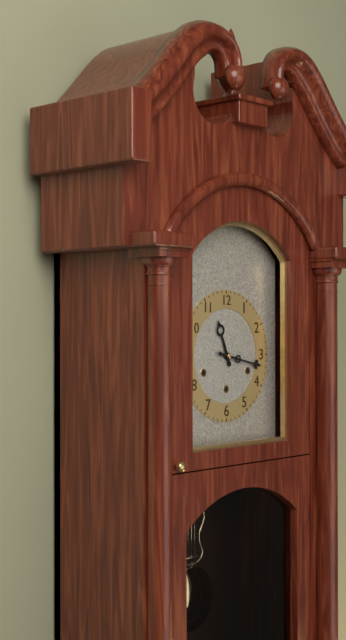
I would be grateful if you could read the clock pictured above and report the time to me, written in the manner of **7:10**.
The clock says **11:17**
